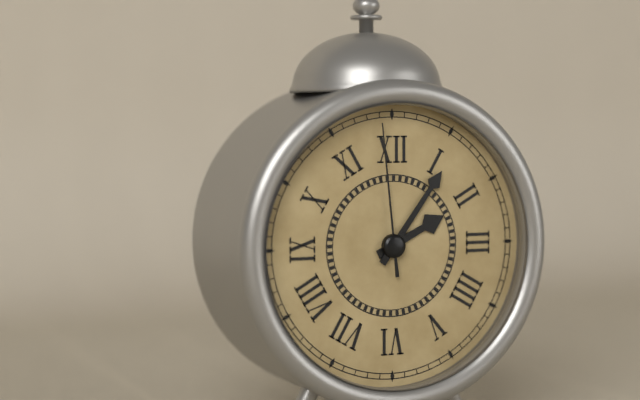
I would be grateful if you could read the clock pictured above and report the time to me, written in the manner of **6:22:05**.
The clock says **2:06:59**
